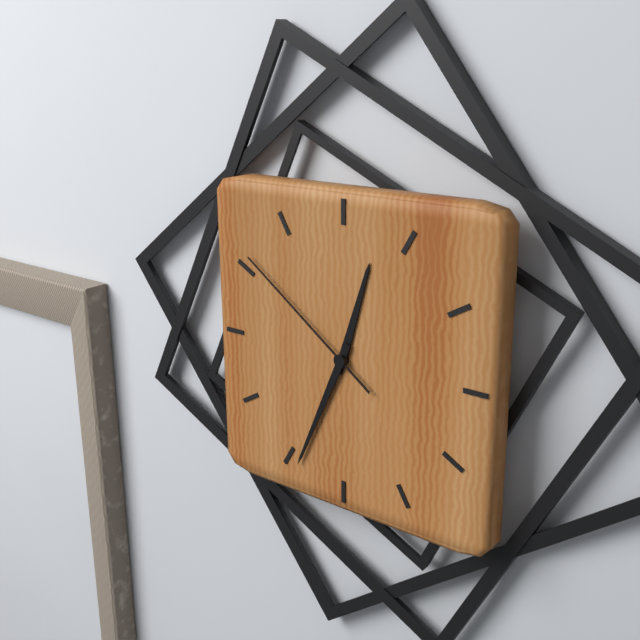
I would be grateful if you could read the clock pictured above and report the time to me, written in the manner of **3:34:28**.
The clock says **12:34:51**
